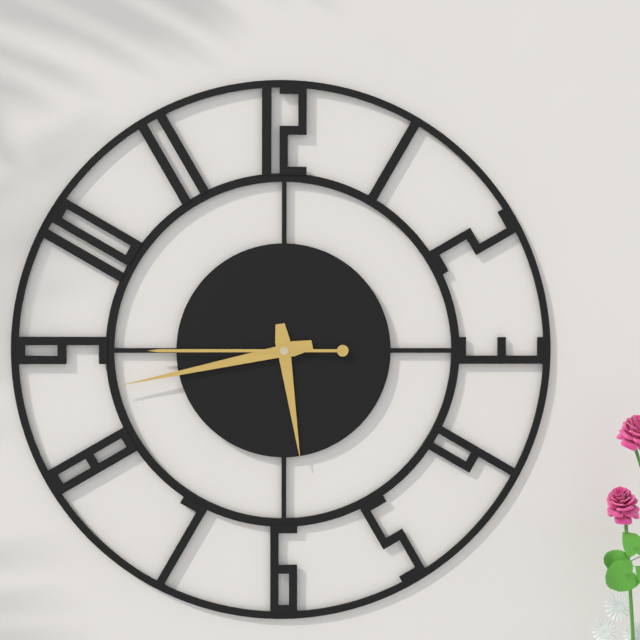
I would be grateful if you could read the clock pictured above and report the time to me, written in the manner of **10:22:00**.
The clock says **5:43:45**
